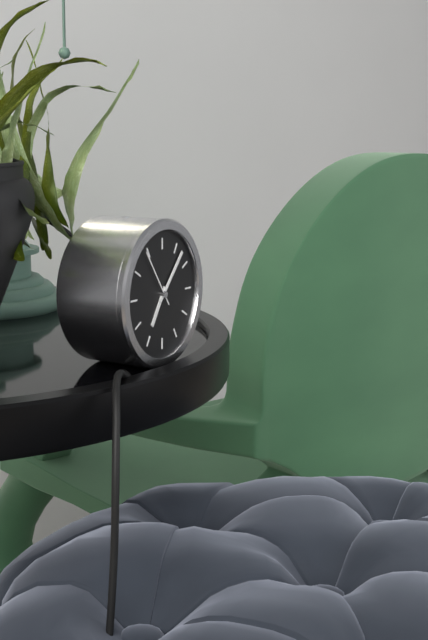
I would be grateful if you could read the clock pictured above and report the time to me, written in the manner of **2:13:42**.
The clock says **7:07:54**
